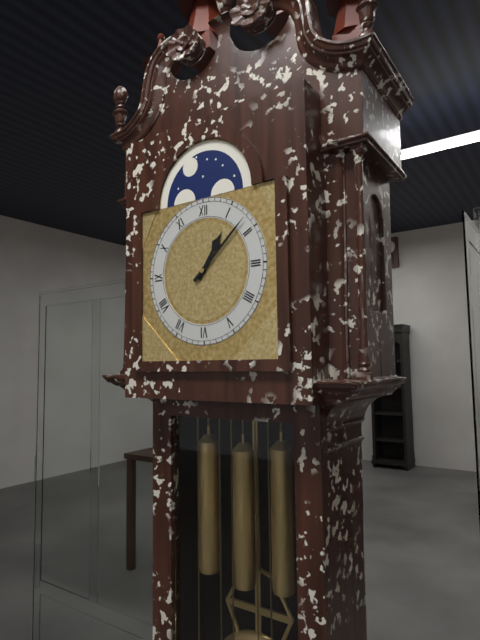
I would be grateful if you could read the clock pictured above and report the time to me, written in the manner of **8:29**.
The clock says **1:08**
